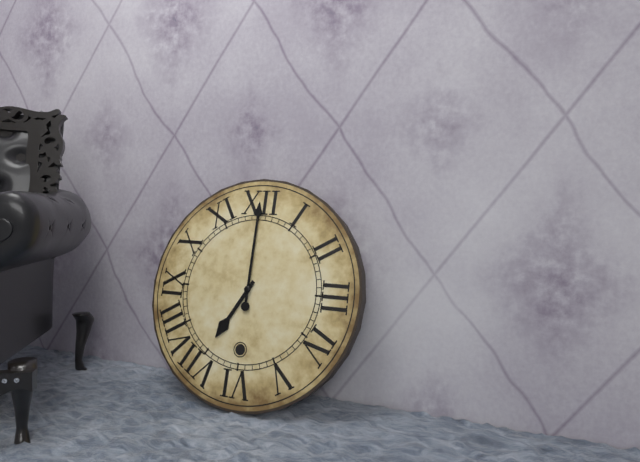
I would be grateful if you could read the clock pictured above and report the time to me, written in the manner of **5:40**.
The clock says **7:00**
